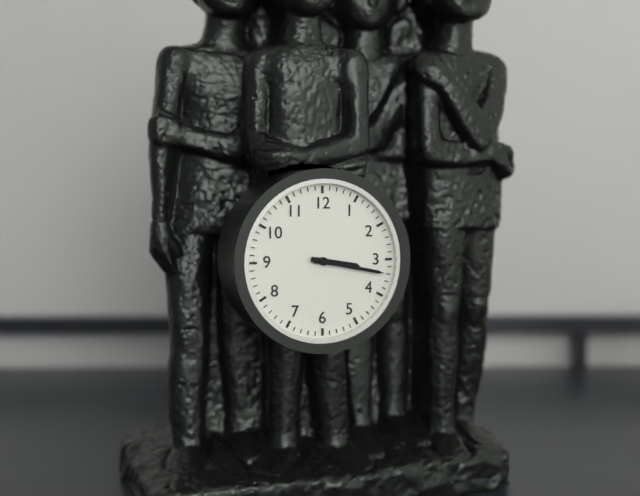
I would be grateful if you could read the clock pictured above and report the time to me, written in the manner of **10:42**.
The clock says **3:17**
